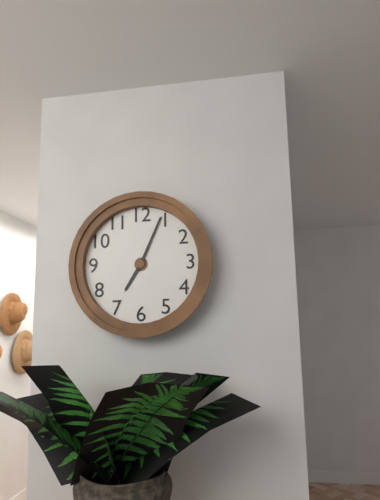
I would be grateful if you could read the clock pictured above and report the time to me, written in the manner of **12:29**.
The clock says **7:04**
